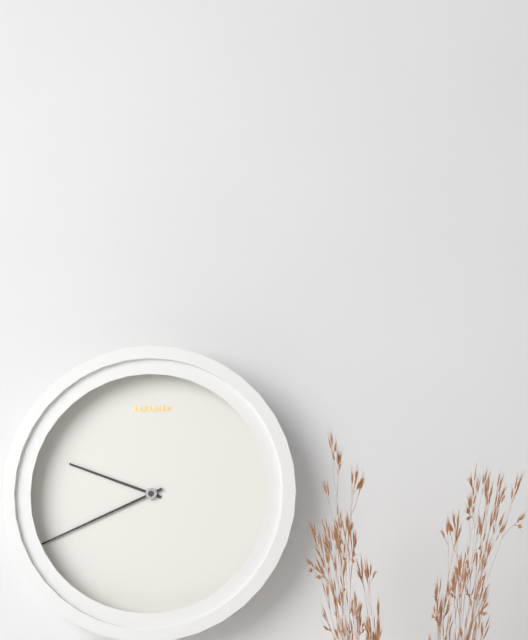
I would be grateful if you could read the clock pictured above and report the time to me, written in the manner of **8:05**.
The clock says **9:41**
